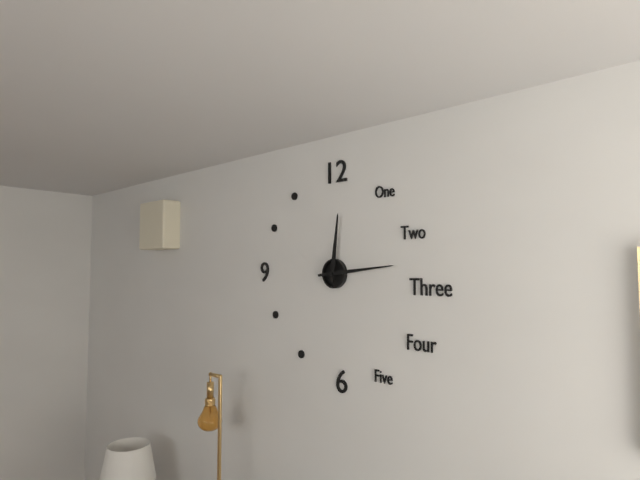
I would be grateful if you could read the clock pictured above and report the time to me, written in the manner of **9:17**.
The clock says **12:14**
